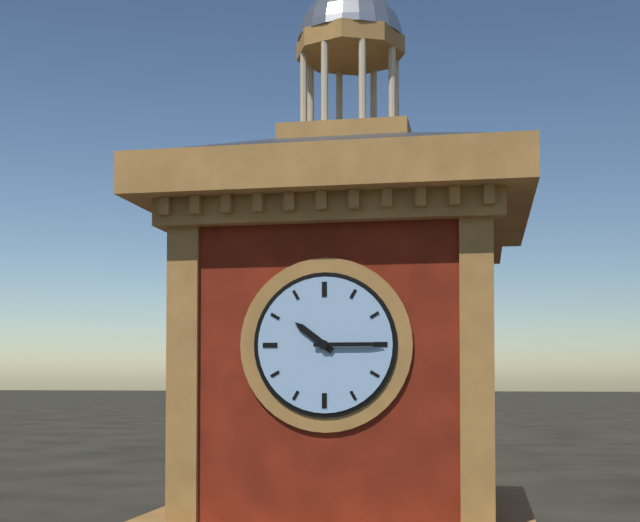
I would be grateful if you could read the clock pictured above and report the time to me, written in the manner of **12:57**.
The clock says **10:15**
